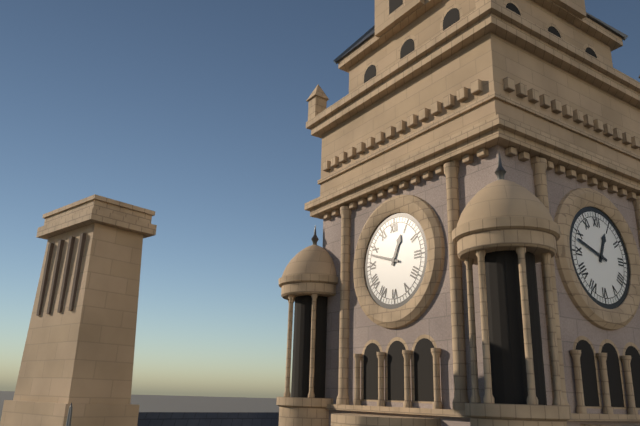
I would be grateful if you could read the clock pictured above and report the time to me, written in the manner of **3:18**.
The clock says **12:48**
